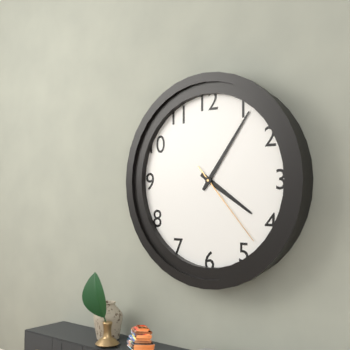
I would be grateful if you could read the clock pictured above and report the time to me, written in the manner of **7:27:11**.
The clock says **4:06:23**
